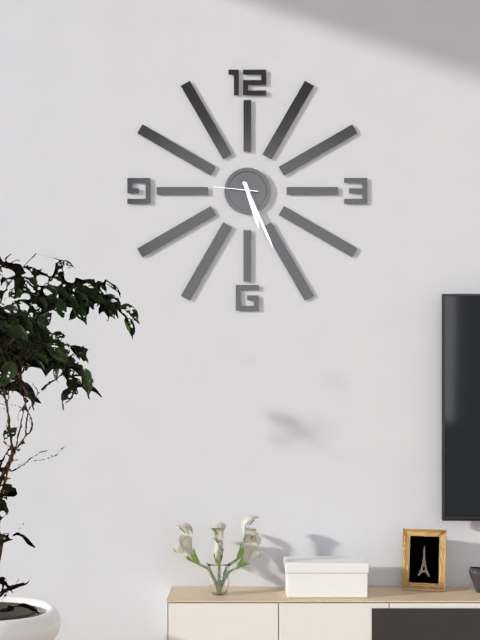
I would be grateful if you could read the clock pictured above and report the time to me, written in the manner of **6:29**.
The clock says **5:26**
